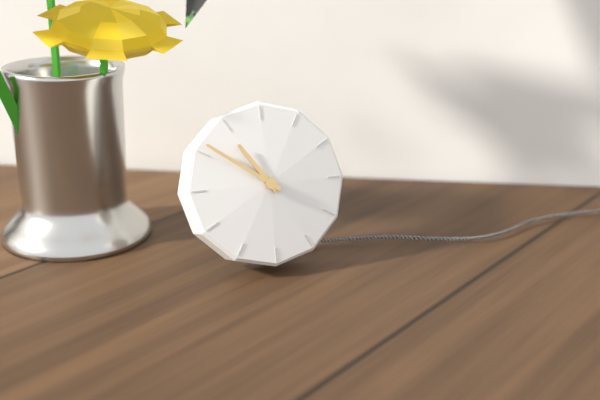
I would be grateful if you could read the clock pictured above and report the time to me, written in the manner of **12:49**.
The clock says **10:51**
